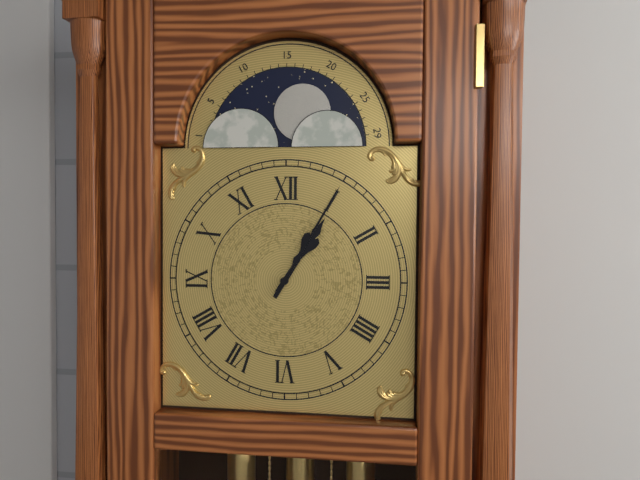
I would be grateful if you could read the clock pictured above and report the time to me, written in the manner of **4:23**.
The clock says **1:05**
